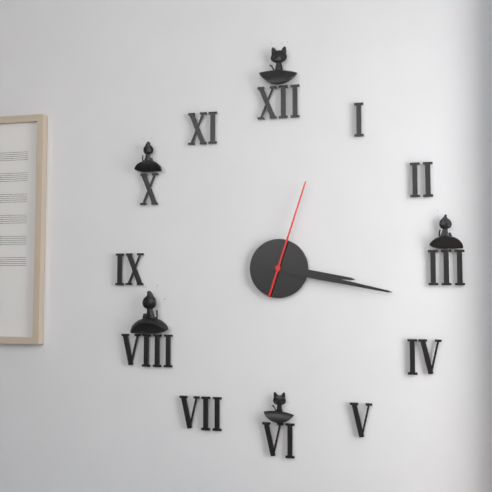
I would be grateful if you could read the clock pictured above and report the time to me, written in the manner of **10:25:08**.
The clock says **3:17:03**
